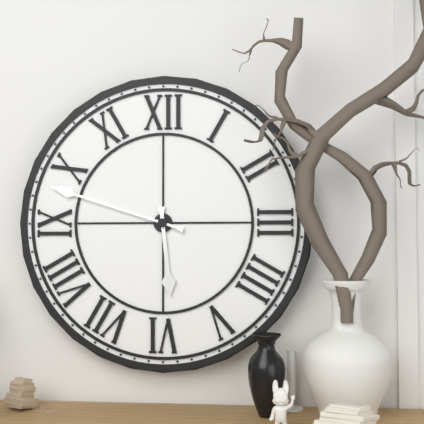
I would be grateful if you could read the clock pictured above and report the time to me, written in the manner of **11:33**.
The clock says **5:48**
